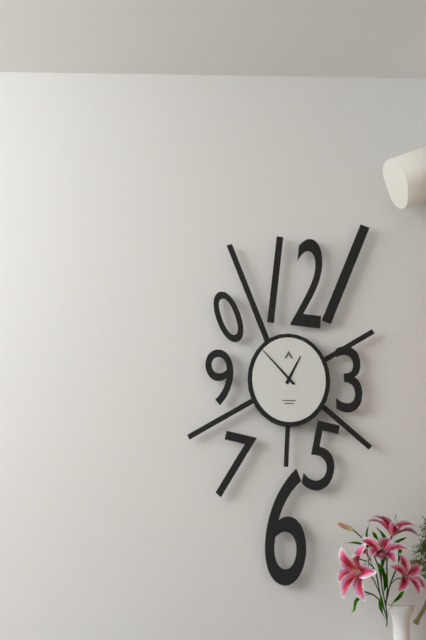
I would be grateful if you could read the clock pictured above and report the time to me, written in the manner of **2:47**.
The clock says **12:53**
